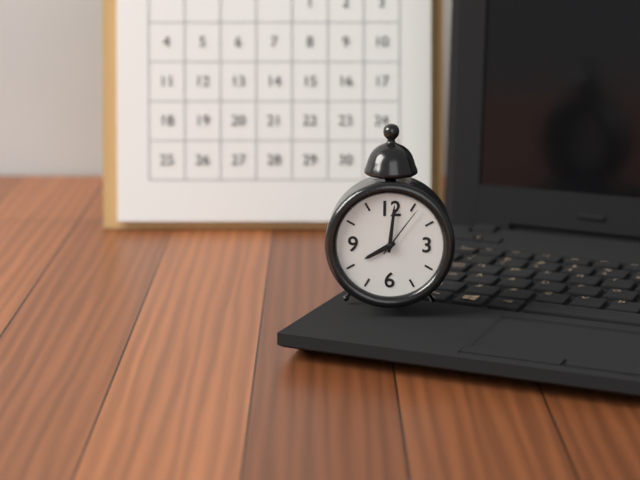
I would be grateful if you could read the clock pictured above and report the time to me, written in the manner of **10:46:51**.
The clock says **8:01:06**
